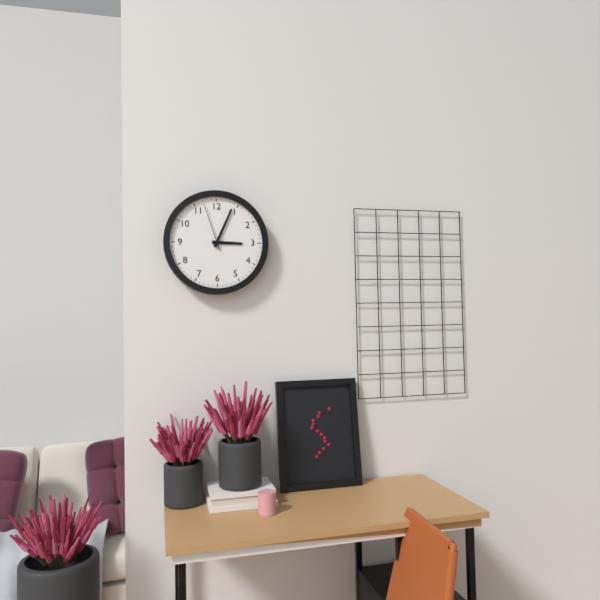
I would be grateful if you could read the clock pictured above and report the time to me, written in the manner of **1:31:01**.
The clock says **3:04:57**
